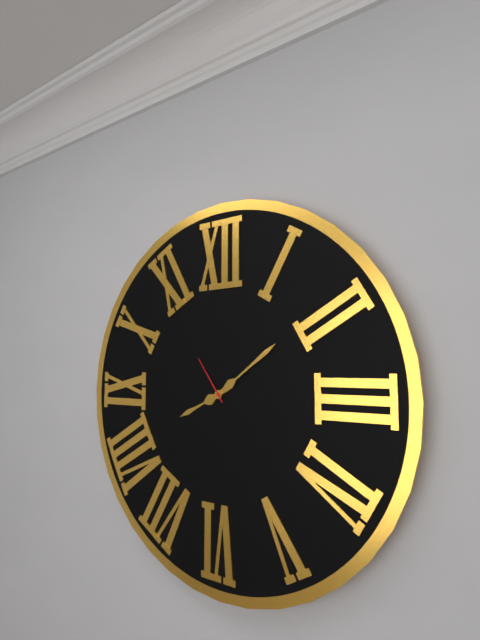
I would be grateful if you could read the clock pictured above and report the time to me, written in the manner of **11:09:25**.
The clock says **8:09:54**
